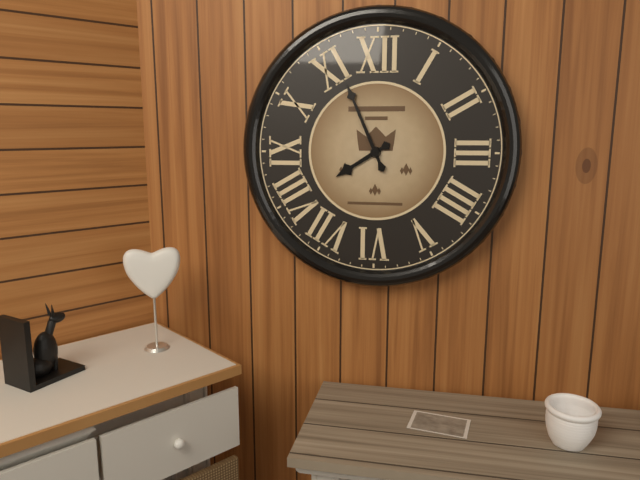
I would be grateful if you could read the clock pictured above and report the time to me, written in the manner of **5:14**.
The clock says **7:56**
